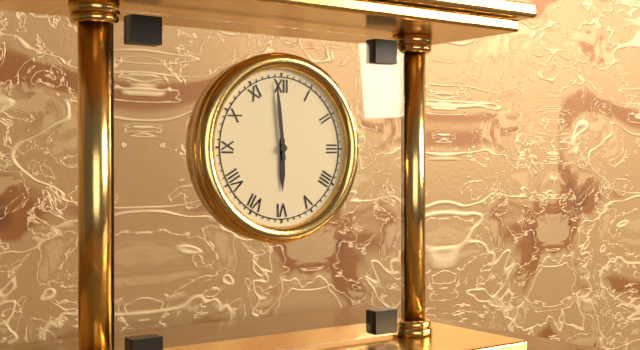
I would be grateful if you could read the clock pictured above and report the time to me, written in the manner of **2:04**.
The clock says **5:59**
